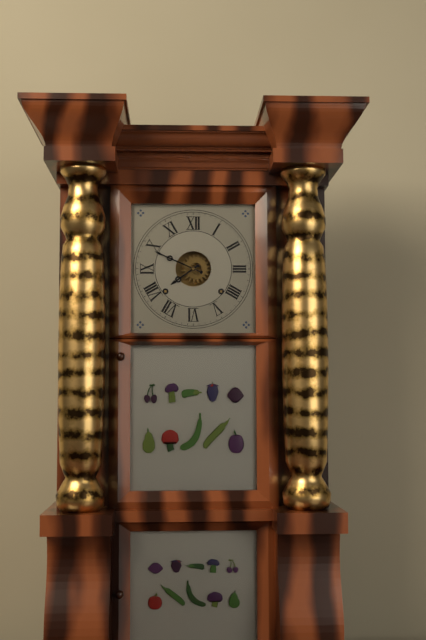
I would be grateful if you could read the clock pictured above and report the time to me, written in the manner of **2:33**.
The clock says **7:49**
